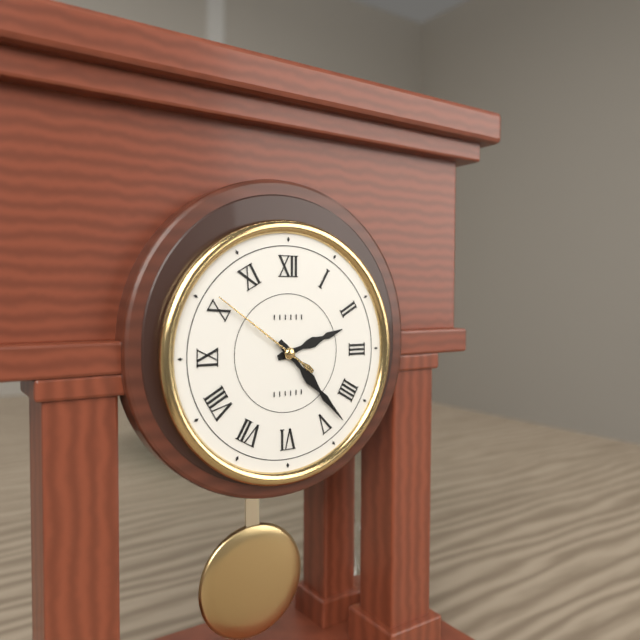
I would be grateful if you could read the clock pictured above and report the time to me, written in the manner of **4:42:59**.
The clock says **2:23:51**
